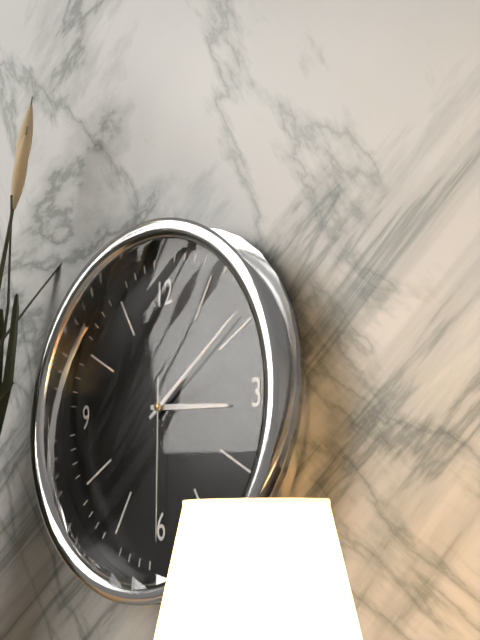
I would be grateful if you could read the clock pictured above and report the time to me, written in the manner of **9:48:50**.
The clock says **3:09:30**
